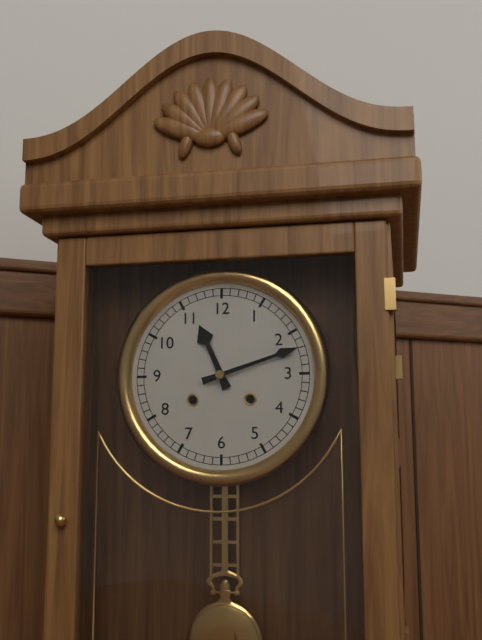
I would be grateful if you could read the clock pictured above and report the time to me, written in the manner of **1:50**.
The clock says **11:12**
